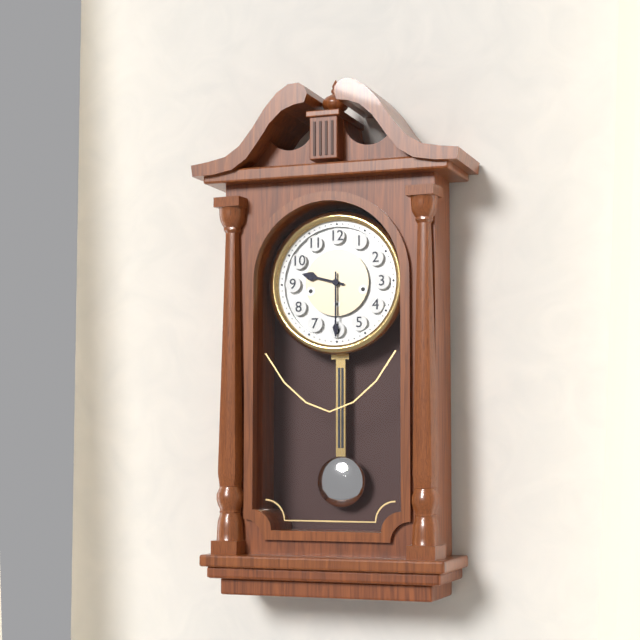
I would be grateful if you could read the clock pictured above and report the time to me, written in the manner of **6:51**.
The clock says **9:30**
